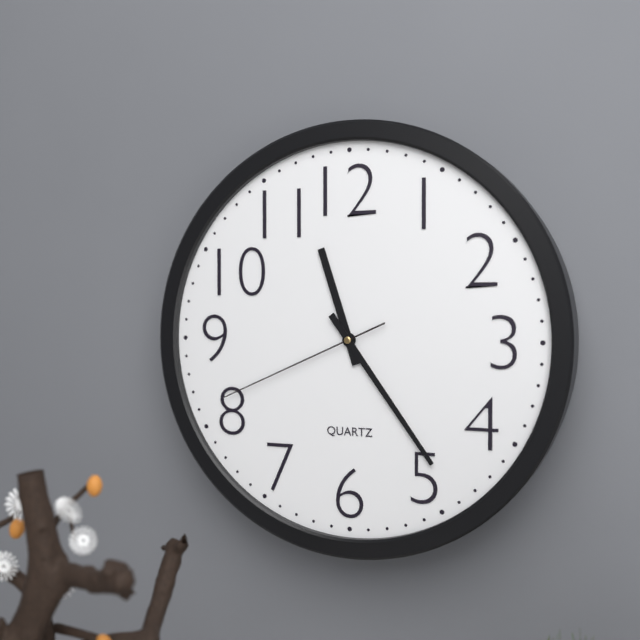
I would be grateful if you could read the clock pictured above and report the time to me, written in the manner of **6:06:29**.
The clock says **11:24:41**
